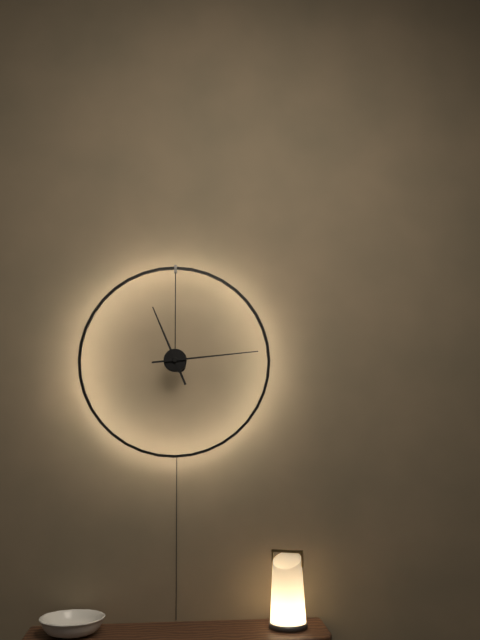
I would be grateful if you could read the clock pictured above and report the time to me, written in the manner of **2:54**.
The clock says **11:14**
